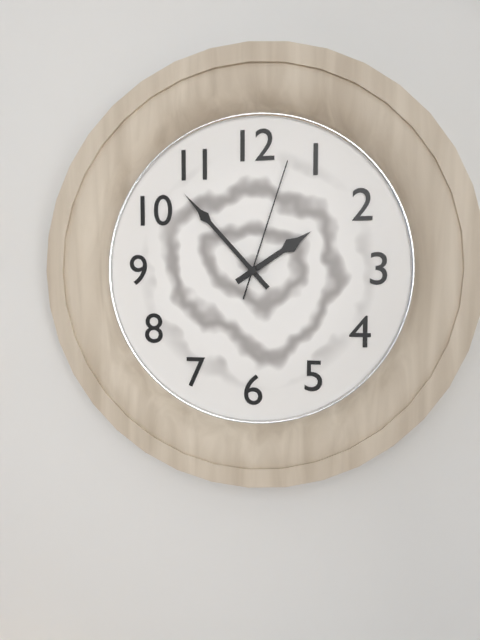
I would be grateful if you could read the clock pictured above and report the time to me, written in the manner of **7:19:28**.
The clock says **1:53:03**
